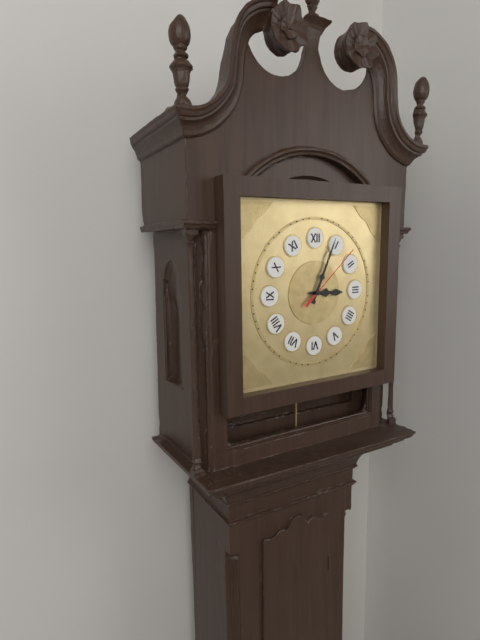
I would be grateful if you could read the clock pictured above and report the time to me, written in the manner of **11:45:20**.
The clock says **3:04:08**
